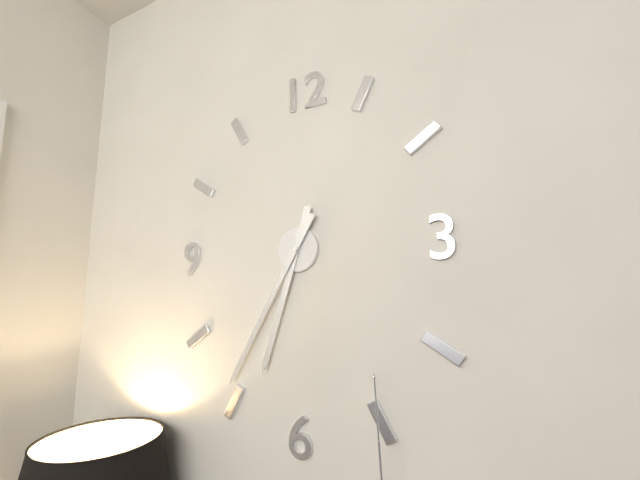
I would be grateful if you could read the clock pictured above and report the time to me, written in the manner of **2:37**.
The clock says **6:35**
